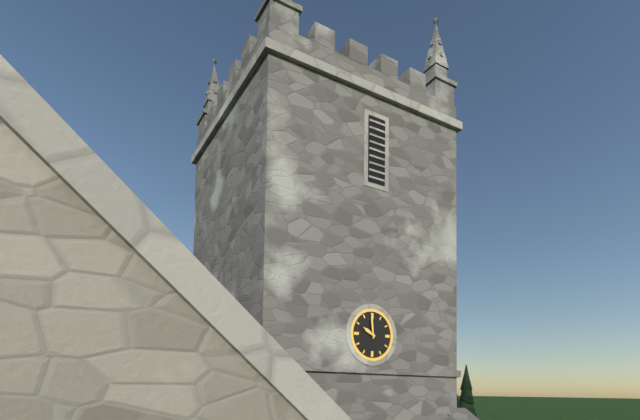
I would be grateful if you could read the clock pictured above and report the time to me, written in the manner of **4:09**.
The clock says **9:59**
